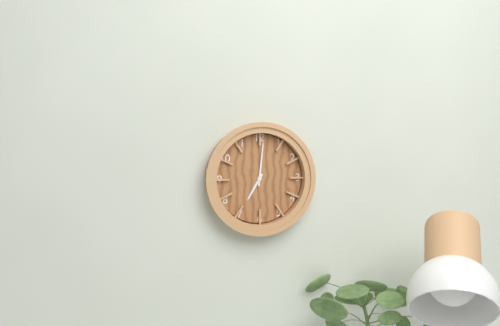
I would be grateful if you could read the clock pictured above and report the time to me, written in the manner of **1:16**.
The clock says **7:01**
